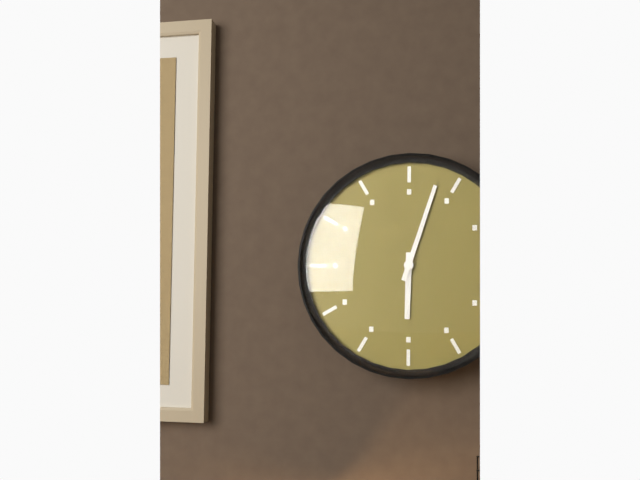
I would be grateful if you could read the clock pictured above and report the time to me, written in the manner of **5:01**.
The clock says **6:03**
